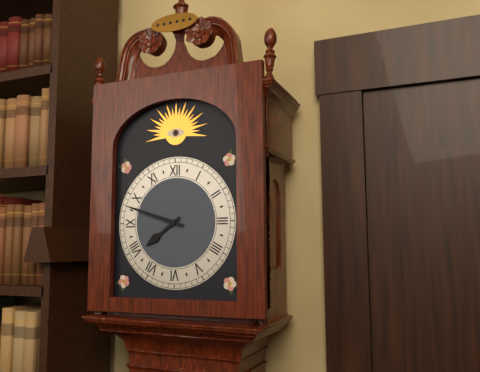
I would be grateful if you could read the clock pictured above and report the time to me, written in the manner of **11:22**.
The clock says **7:48**
